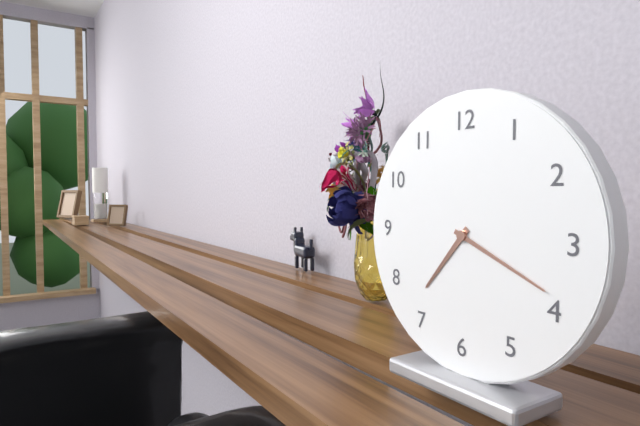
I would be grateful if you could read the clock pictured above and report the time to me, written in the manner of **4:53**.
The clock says **7:19**
